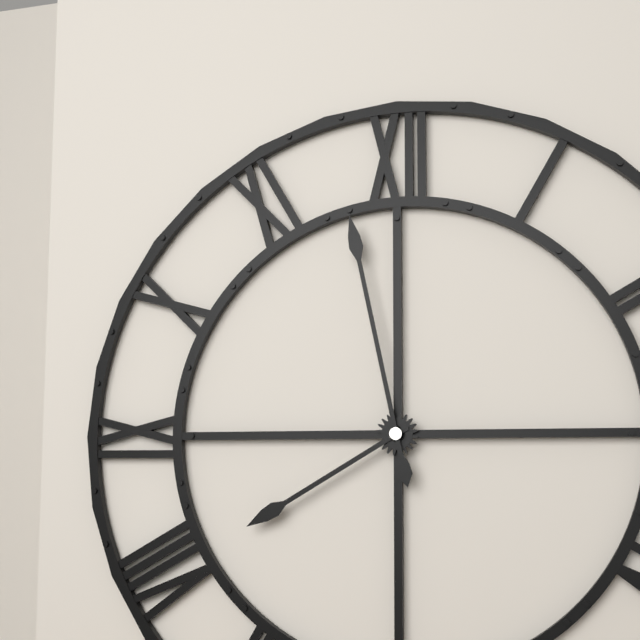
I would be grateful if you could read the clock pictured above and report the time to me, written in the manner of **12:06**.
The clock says **7:58**
